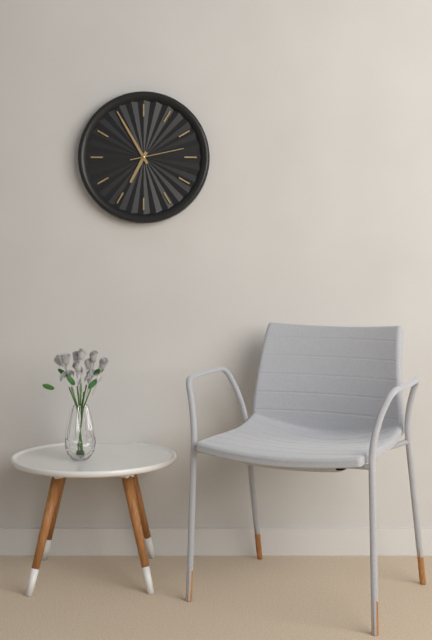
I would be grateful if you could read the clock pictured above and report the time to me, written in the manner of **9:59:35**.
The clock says **6:55:13**
